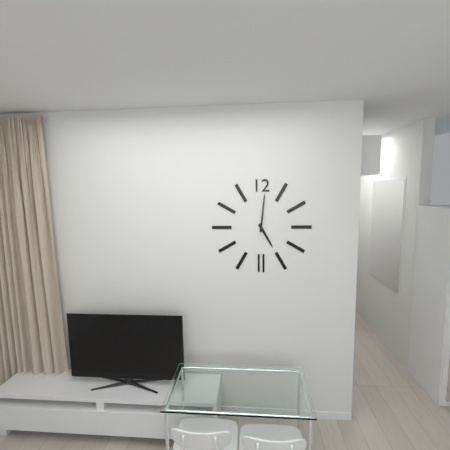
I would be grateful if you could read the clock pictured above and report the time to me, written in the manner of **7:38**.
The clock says **5:01**
